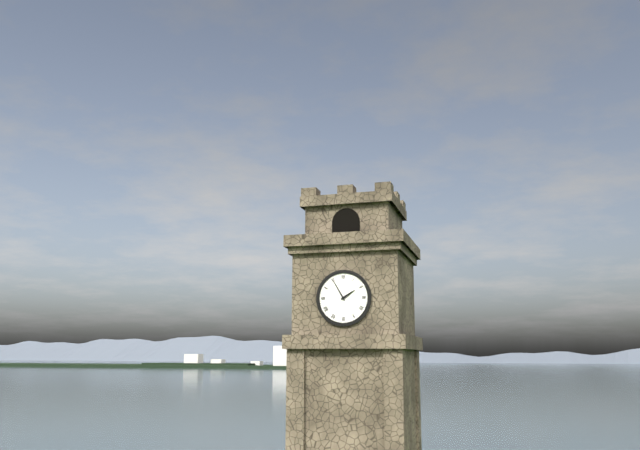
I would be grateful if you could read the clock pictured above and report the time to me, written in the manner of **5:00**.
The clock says **1:55**
